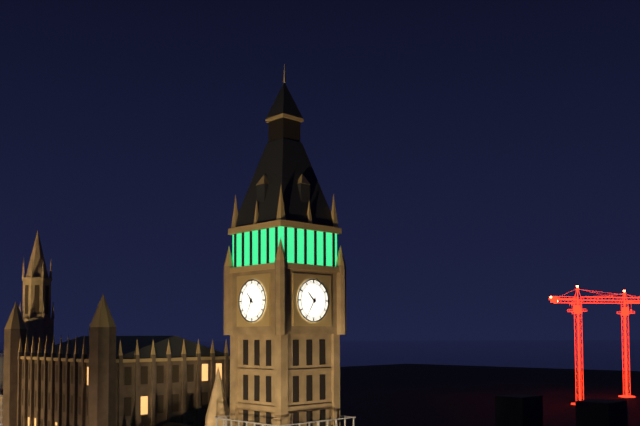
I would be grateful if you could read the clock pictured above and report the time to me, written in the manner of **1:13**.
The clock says **10:35**
